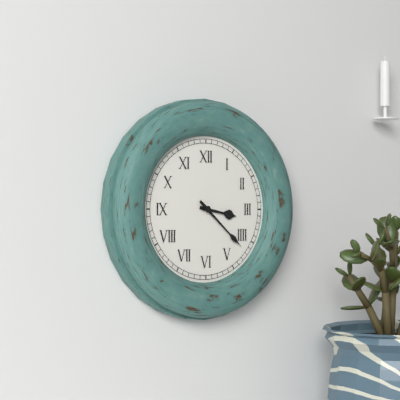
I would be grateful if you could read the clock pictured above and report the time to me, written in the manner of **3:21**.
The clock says **3:22**
